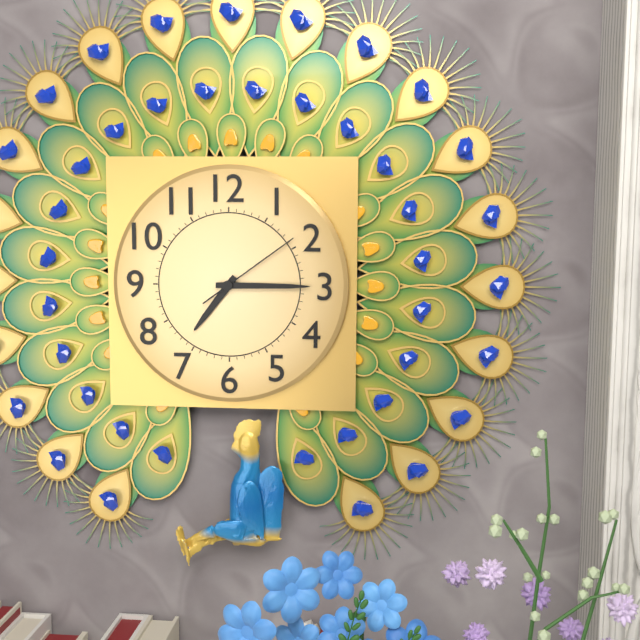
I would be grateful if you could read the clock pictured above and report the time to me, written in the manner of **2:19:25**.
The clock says **7:15:09**
